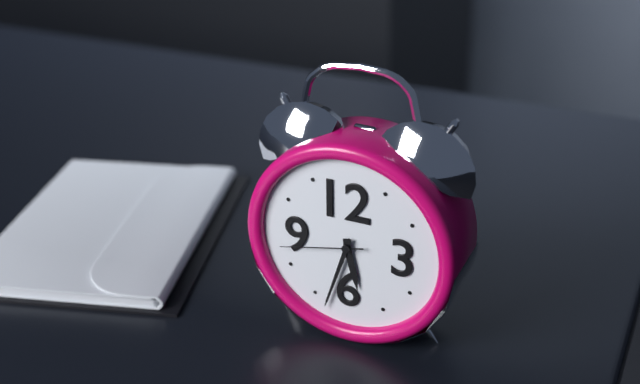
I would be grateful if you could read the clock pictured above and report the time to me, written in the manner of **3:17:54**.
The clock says **5:33:43**
